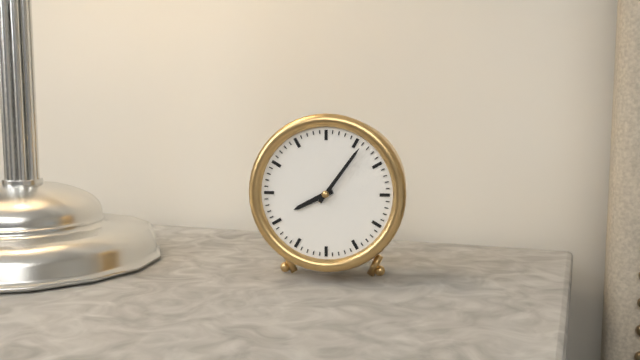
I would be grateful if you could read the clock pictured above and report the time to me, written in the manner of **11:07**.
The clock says **8:06**
